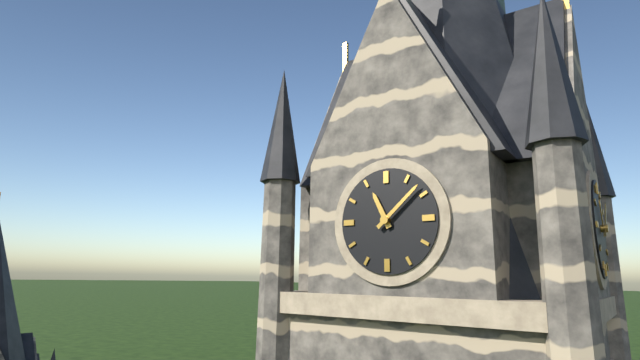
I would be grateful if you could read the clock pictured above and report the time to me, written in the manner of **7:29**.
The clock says **11:08**
